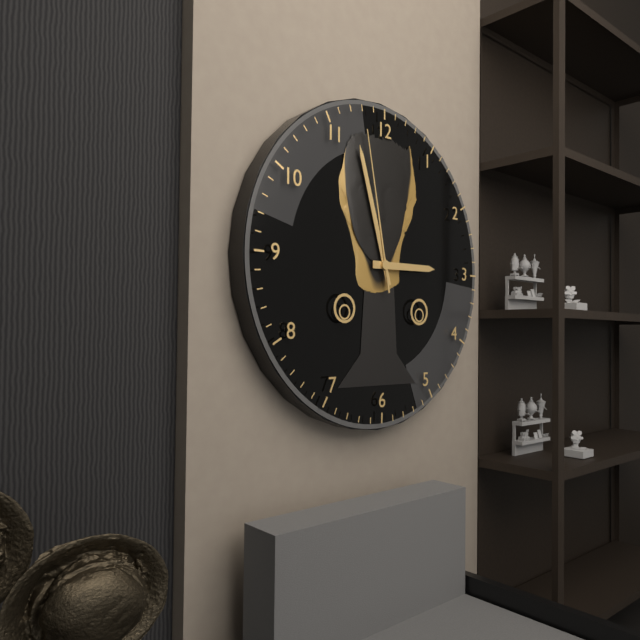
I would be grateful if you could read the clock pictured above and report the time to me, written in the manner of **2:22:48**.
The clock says **2:57:58**
